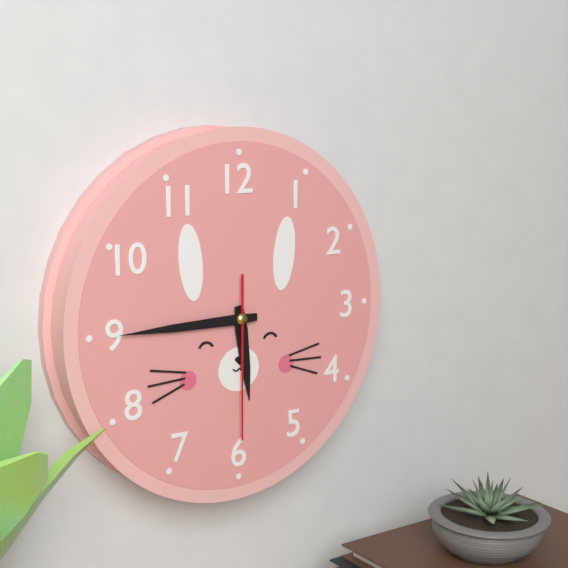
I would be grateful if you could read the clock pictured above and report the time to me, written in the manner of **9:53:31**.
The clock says **5:45:30**
